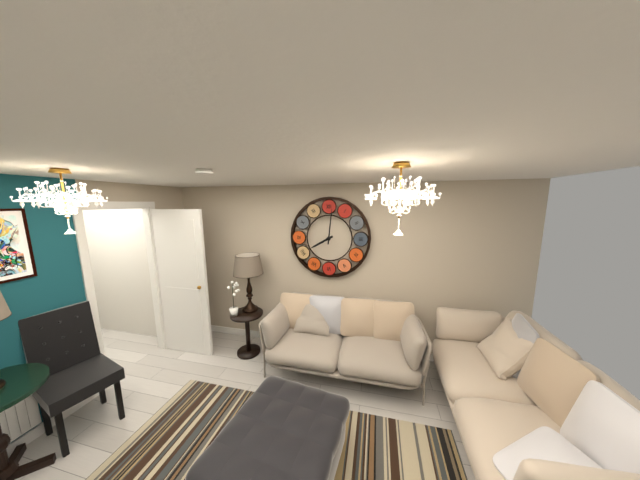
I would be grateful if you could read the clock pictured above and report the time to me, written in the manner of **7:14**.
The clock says **8:01**
